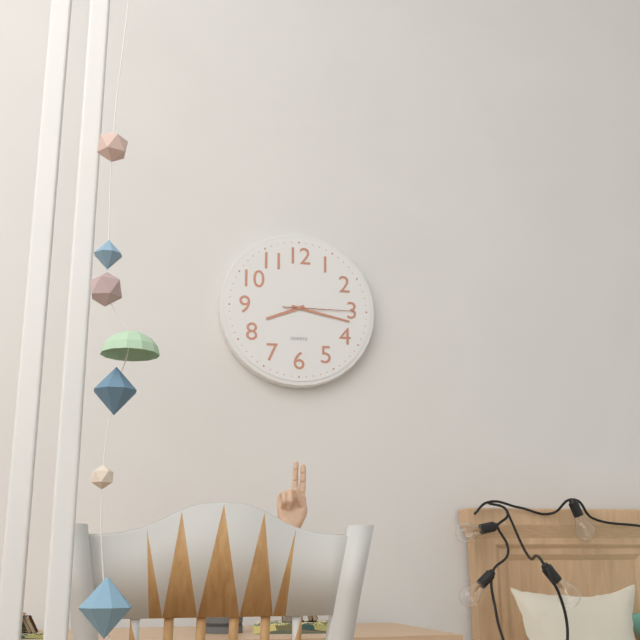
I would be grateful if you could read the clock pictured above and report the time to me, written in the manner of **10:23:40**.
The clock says **8:17:15**
